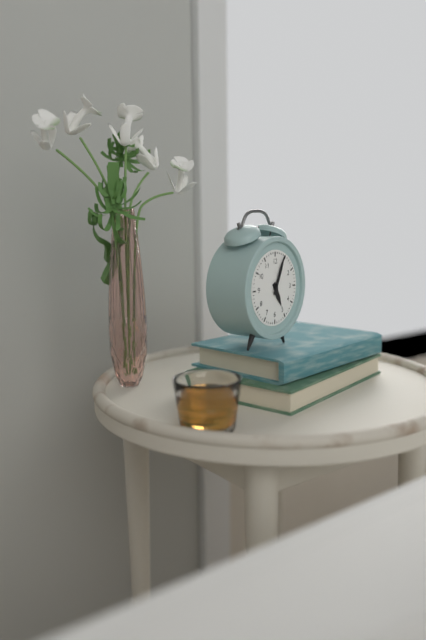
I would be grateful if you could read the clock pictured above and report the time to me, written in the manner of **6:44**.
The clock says **5:04**
